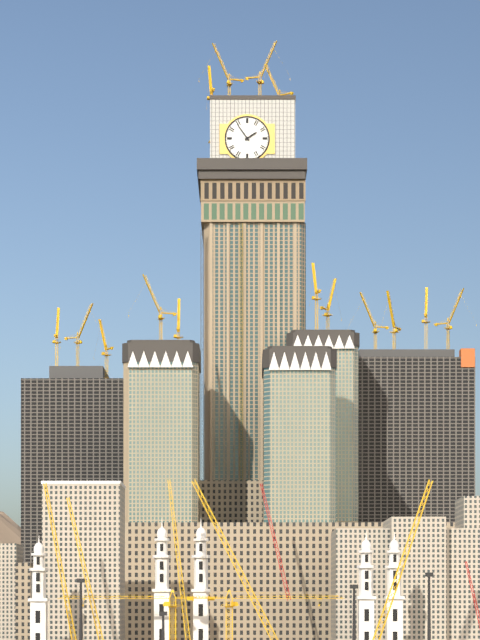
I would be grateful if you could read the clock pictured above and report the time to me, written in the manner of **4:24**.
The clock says **1:54**
